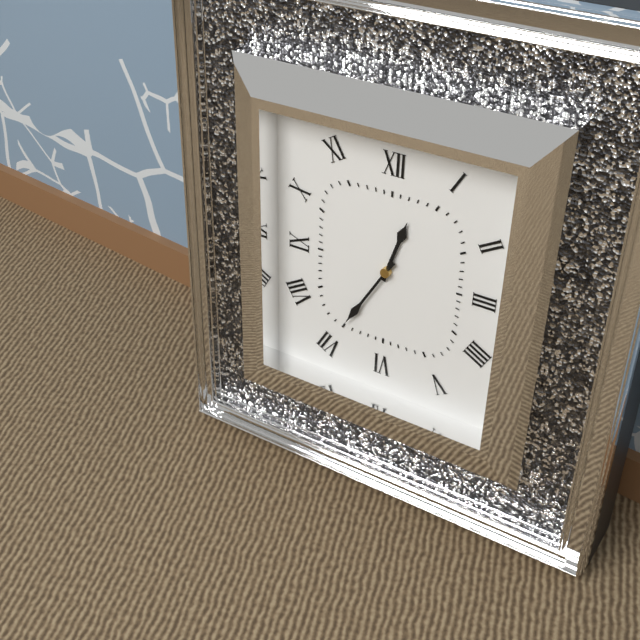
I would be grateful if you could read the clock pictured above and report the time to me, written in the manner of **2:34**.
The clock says **12:35**
